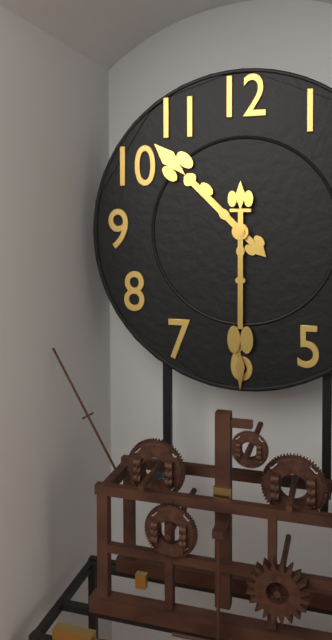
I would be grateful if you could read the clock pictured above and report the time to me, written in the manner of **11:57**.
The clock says **10:30**
